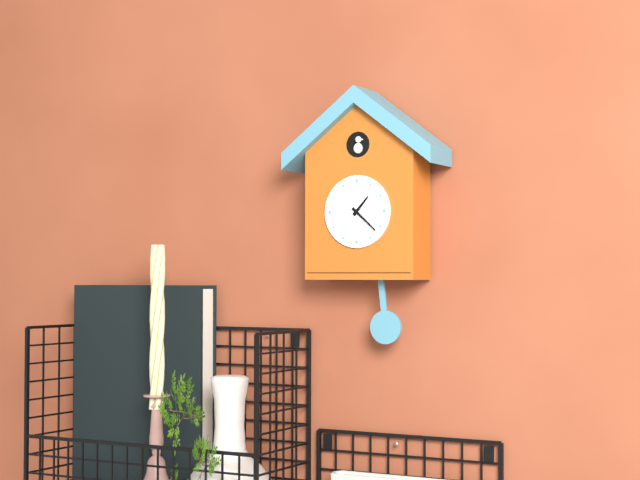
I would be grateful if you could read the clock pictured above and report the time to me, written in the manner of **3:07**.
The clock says **1:22**
